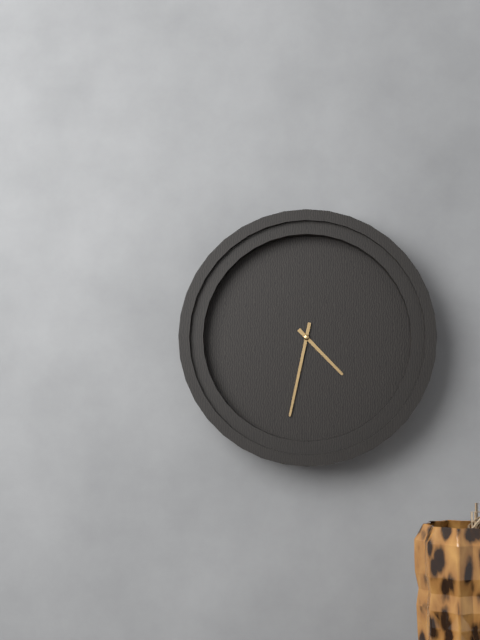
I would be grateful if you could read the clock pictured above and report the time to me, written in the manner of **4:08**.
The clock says **4:32**
